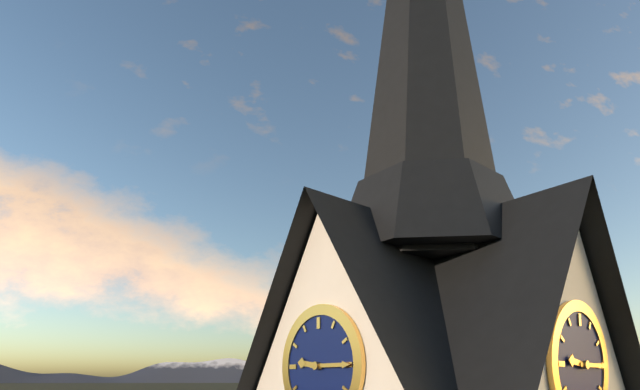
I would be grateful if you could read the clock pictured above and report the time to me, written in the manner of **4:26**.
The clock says **9:15**
